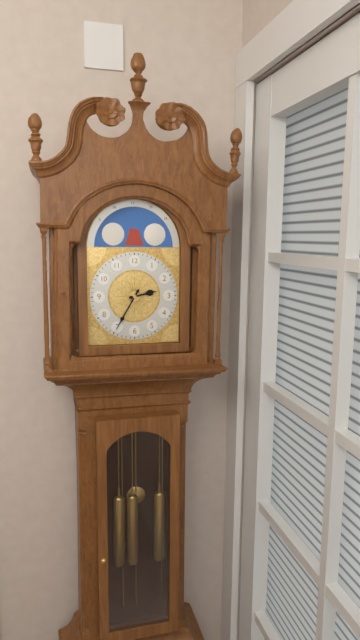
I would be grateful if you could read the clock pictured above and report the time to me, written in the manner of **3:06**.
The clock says **2:35**
